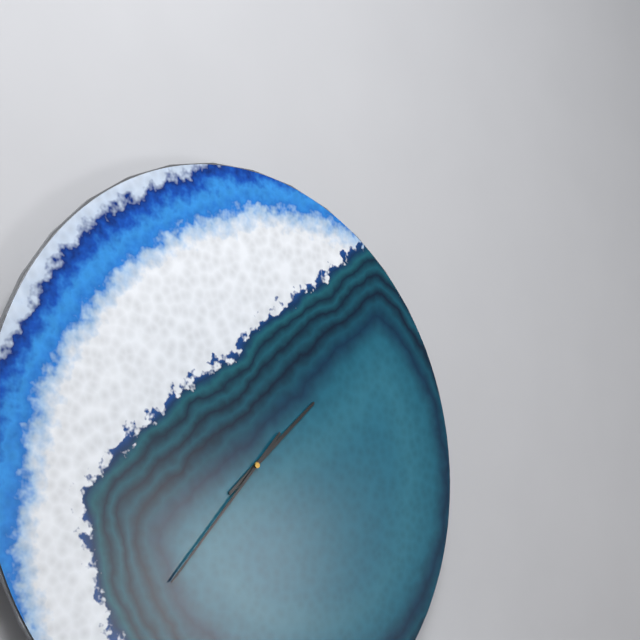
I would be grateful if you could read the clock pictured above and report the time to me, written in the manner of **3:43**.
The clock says **1:37**
